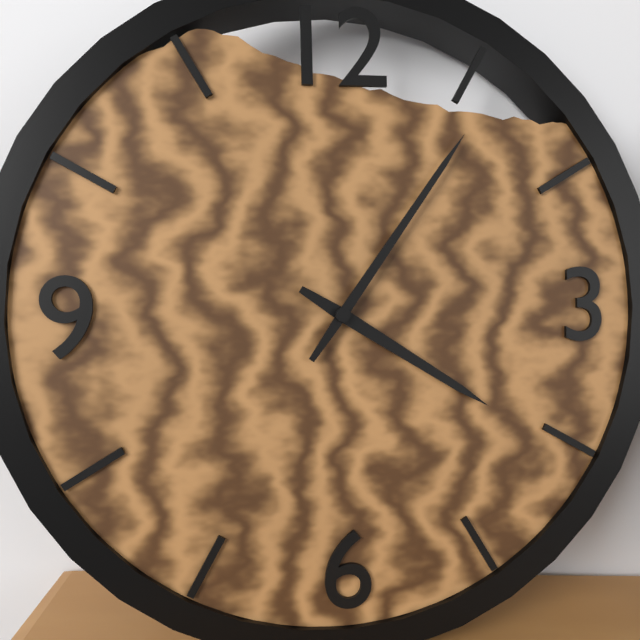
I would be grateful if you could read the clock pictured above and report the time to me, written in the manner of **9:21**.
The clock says **4:06**
